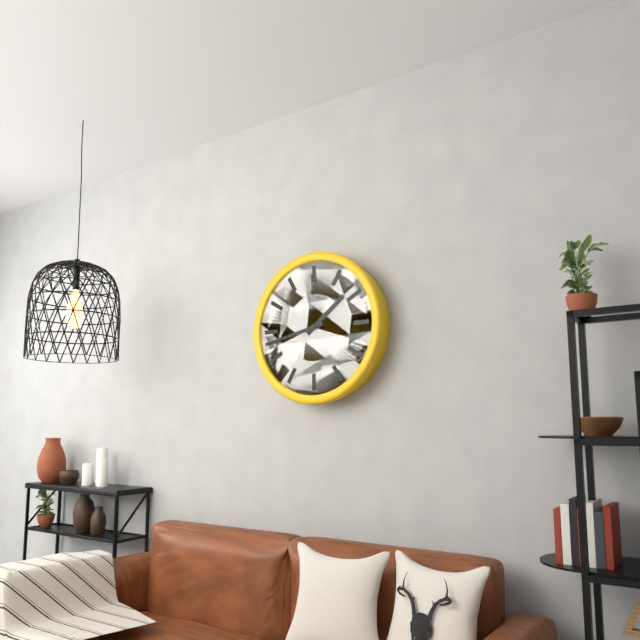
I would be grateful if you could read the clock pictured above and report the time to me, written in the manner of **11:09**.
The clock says **1:43**
